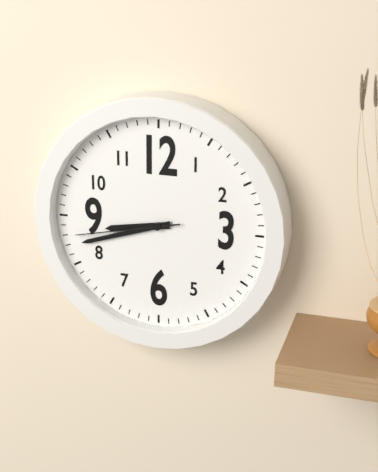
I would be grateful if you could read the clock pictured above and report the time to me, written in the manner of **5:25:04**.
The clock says **8:42:43**
